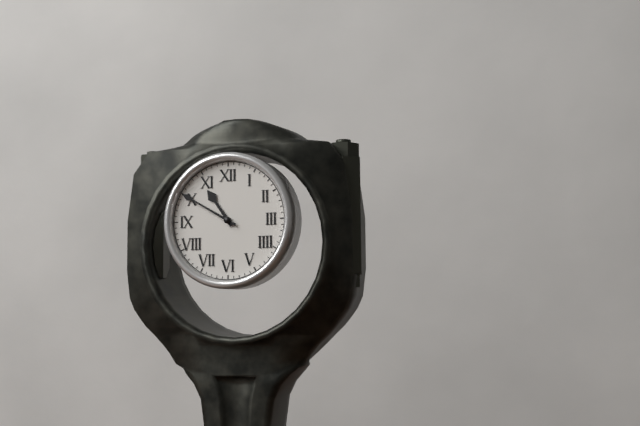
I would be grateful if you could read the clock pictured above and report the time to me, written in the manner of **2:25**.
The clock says **10:50**
